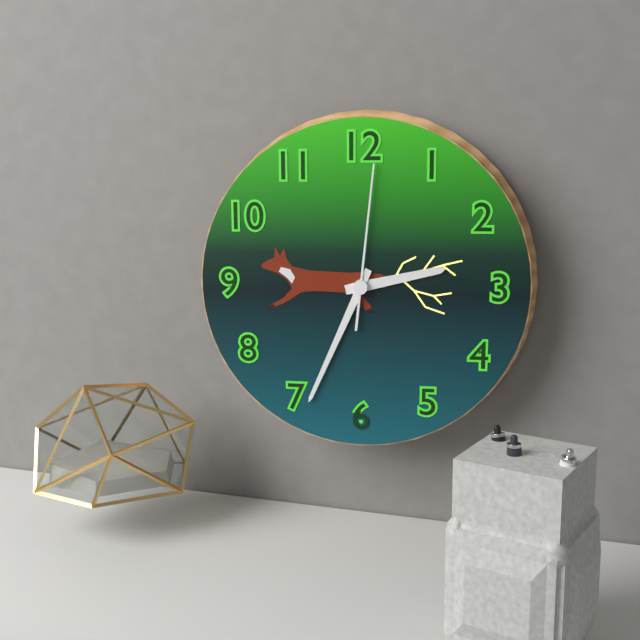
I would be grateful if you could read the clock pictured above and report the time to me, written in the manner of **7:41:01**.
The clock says **2:34:01**
